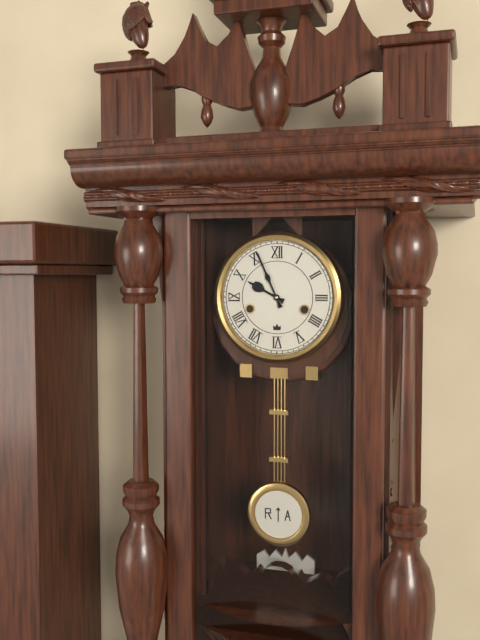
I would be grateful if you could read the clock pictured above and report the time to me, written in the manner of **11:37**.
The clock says **9:56**
